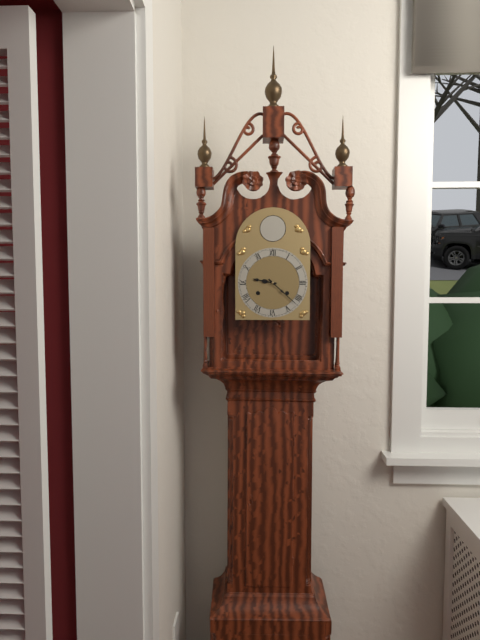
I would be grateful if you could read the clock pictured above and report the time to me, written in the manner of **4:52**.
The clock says **9:22**
